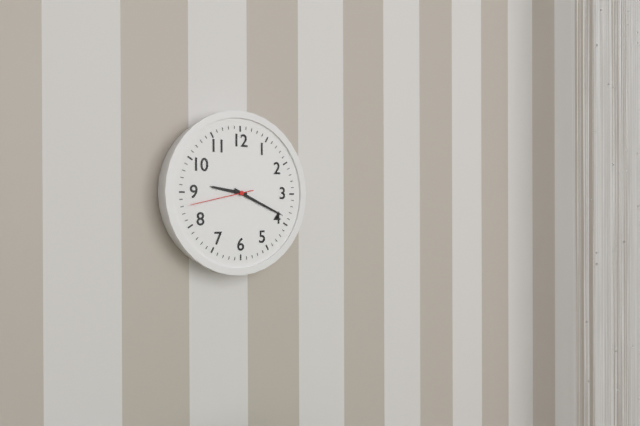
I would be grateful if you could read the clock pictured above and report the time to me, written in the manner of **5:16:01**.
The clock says **9:19:43**
